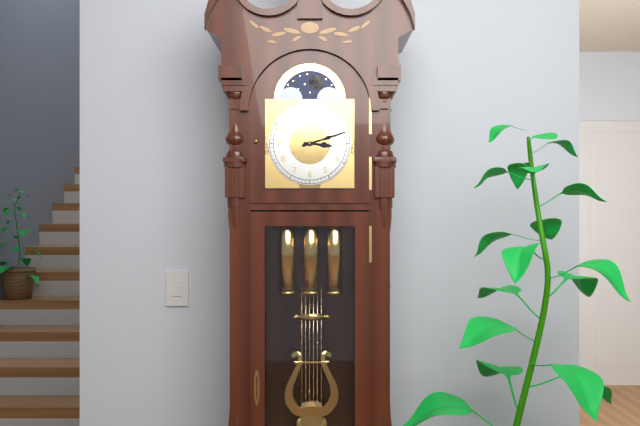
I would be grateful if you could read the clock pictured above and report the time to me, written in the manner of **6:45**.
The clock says **3:12**
